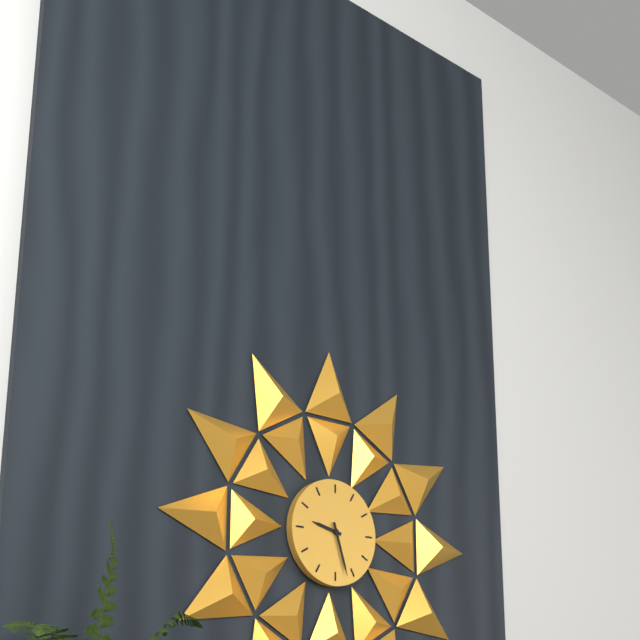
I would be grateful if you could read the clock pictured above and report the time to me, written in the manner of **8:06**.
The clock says **9:27**
